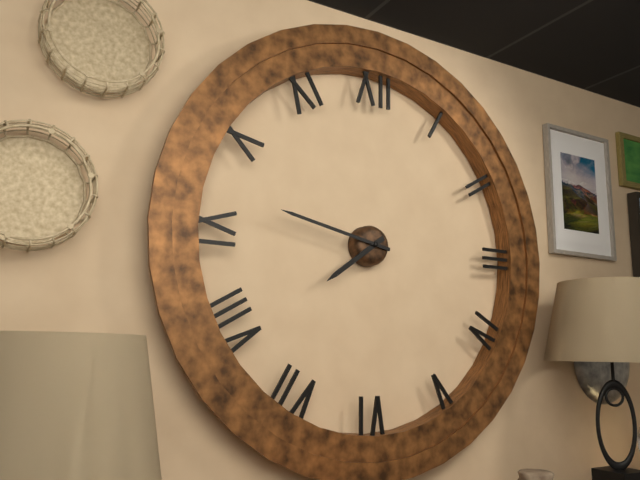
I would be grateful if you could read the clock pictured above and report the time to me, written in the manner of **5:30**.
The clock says **7:47**
